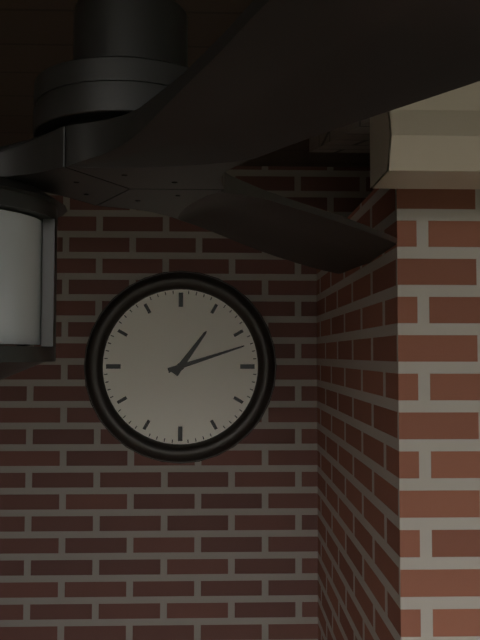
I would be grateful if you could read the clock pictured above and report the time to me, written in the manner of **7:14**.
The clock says **1:12**
